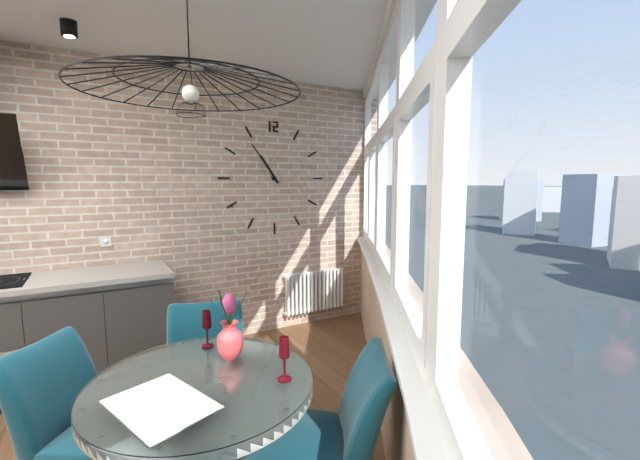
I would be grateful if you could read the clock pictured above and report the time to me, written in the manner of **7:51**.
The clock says **10:54**
